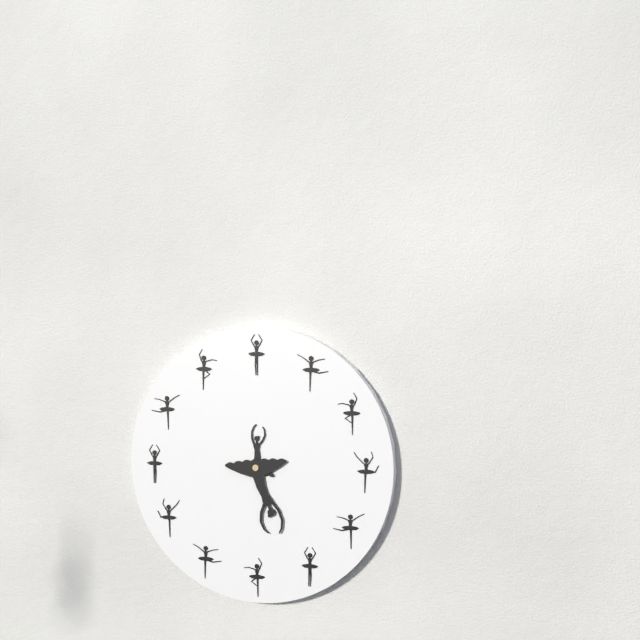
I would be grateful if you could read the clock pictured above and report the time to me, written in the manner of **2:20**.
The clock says **12:29**
